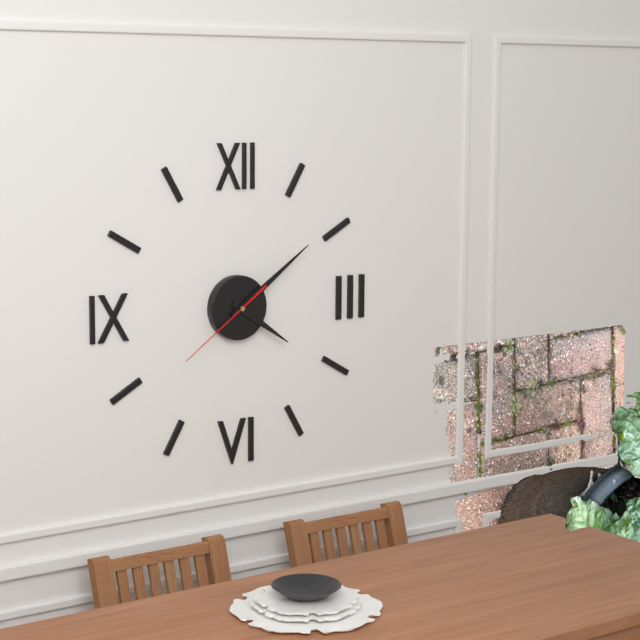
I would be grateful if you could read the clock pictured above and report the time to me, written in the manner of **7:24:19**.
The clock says **4:09:39**
